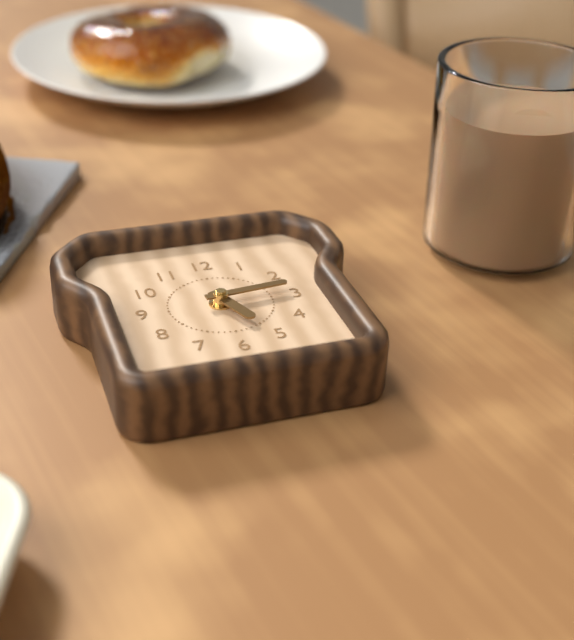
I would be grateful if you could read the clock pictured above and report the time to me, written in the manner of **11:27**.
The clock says **5:14**
